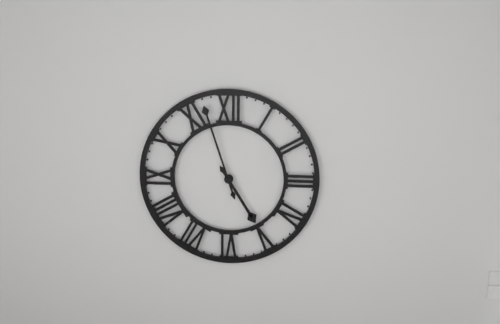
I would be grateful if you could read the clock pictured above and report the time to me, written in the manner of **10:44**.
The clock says **4:57**
